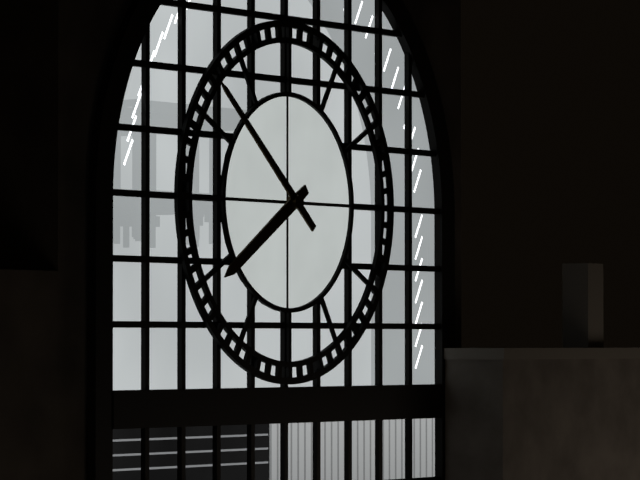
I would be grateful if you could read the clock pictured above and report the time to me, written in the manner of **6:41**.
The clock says **7:52**
